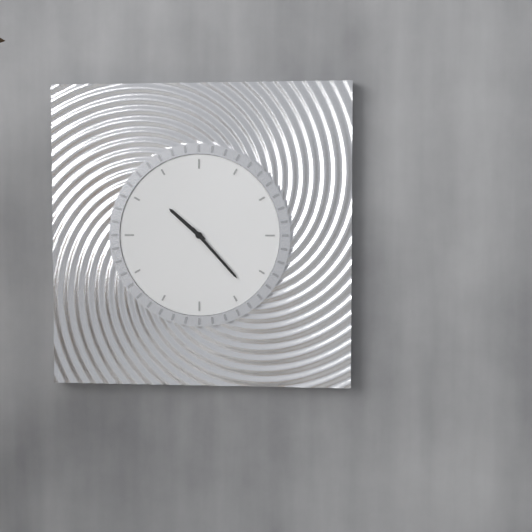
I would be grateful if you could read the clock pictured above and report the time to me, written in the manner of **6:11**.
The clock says **10:23**
